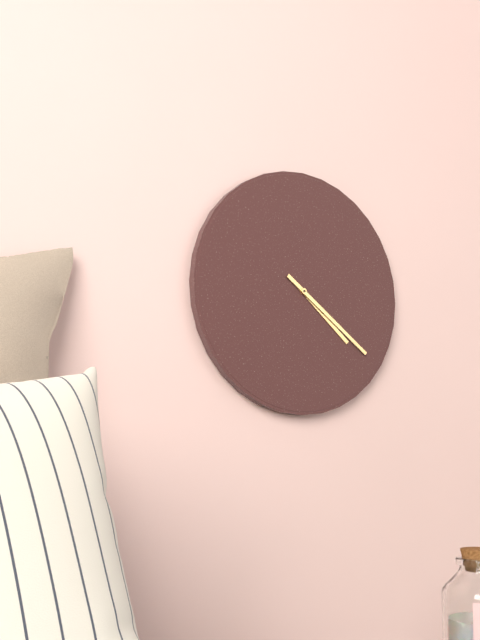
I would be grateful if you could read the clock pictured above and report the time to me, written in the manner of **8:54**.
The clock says **4:21**
